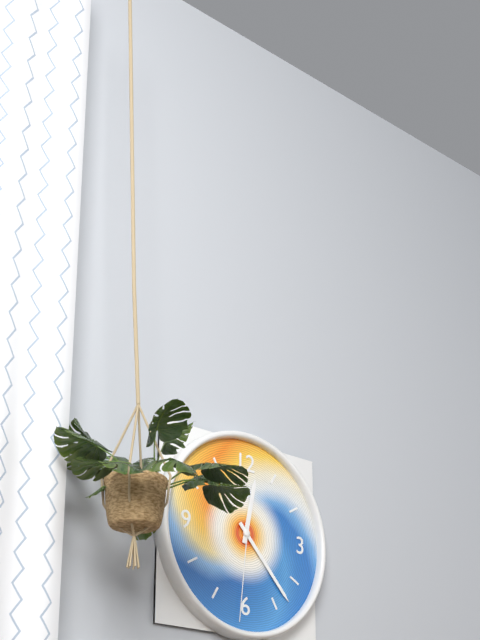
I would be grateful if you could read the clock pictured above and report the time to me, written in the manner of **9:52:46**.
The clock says **12:23:31**
